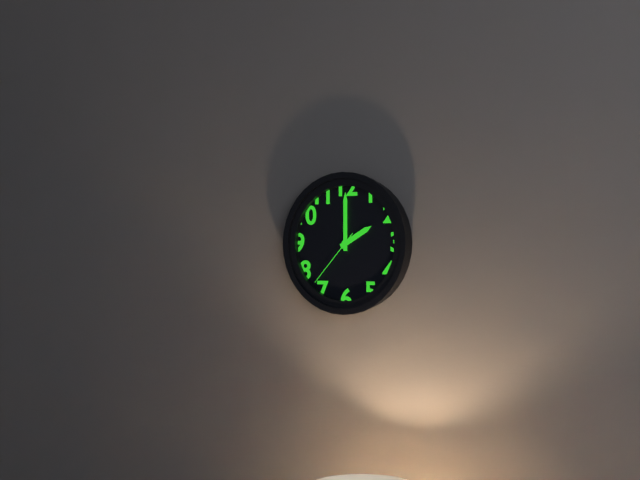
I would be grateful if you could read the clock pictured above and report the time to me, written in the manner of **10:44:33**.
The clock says **2:00:37**
